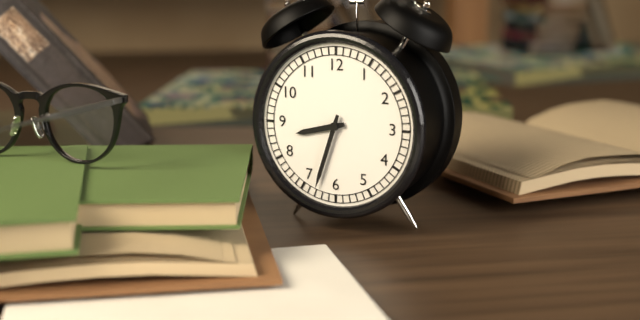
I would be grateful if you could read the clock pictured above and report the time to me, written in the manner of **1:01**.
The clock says **8:33**
